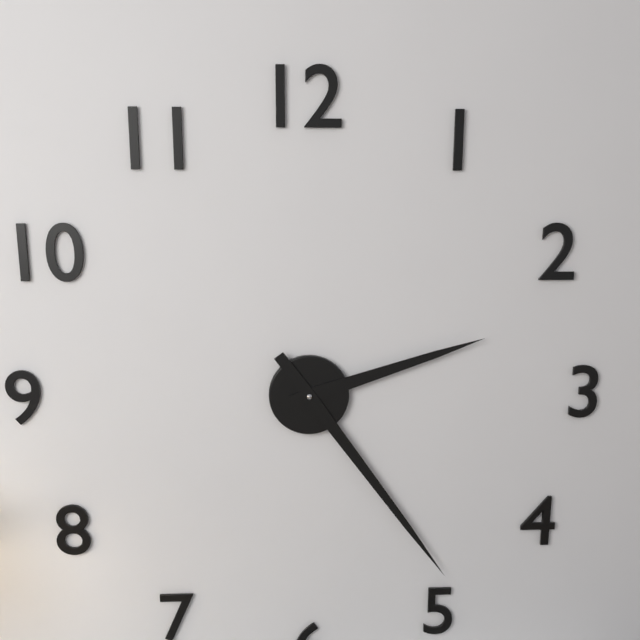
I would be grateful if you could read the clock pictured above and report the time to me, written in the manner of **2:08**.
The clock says **2:24**
